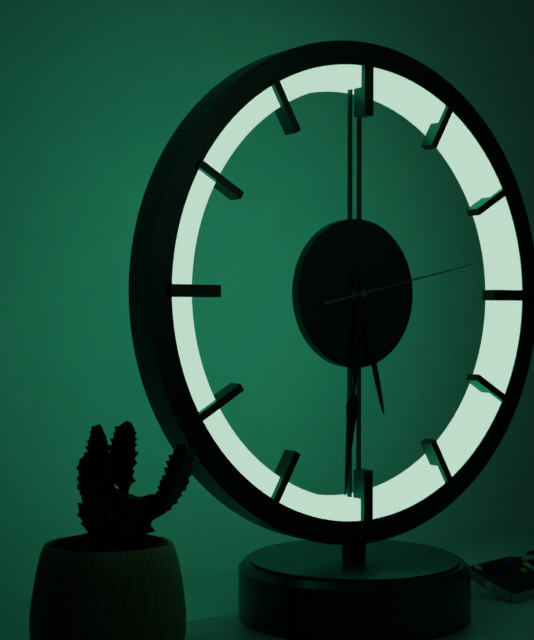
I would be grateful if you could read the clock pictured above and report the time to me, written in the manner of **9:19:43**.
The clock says **5:31:13**
